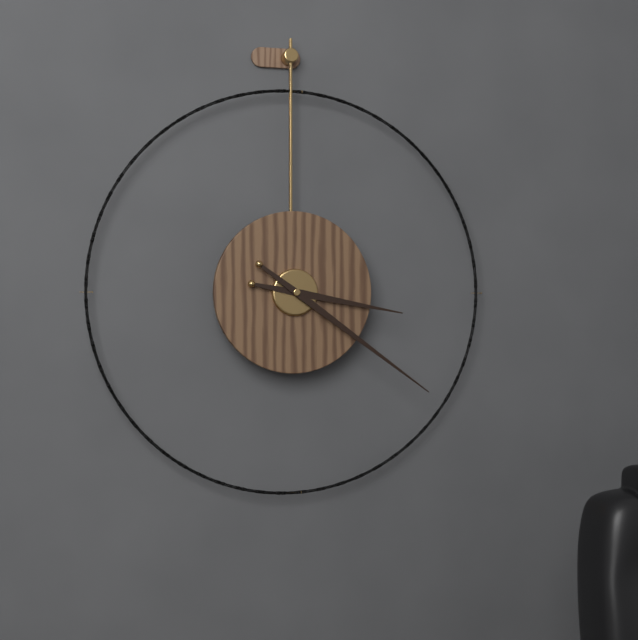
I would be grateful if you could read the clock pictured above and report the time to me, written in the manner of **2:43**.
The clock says **3:21**
